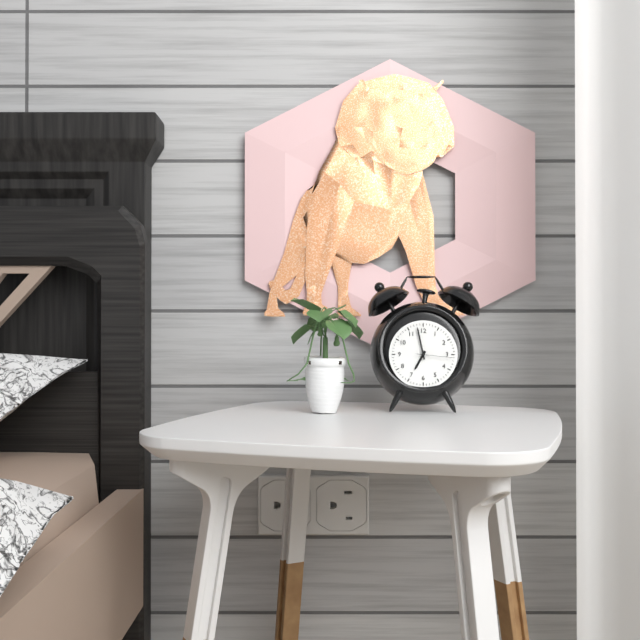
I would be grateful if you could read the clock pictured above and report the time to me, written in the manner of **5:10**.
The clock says **6:58**
